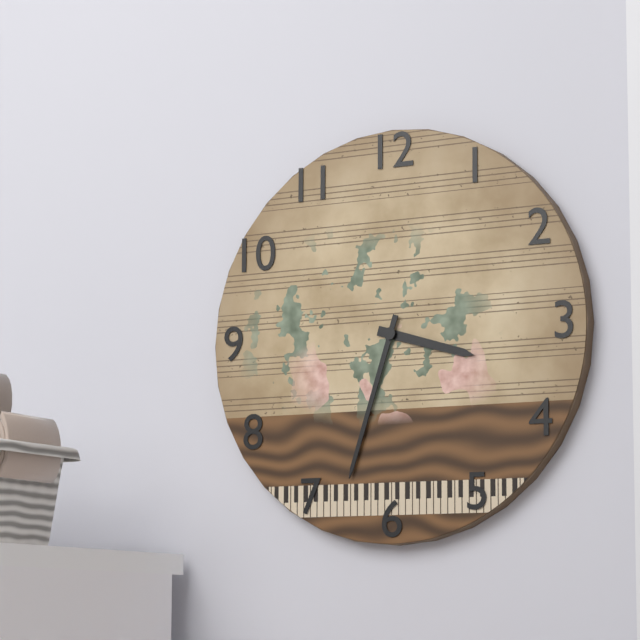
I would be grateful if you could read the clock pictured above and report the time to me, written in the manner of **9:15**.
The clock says **3:33**
